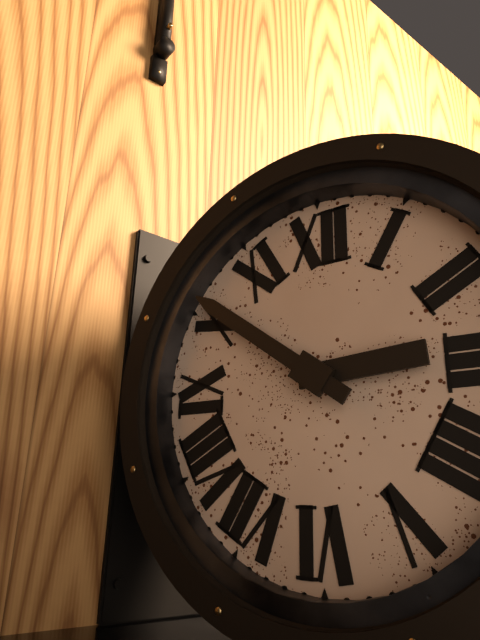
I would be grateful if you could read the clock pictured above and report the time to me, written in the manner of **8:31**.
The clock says **2:51**
